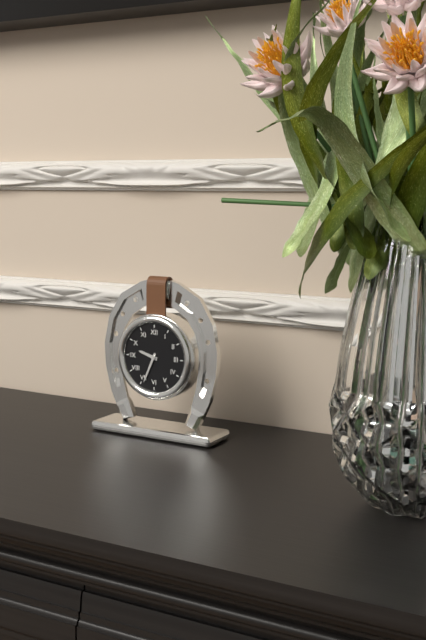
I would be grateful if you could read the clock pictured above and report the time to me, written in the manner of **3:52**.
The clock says **9:34**
